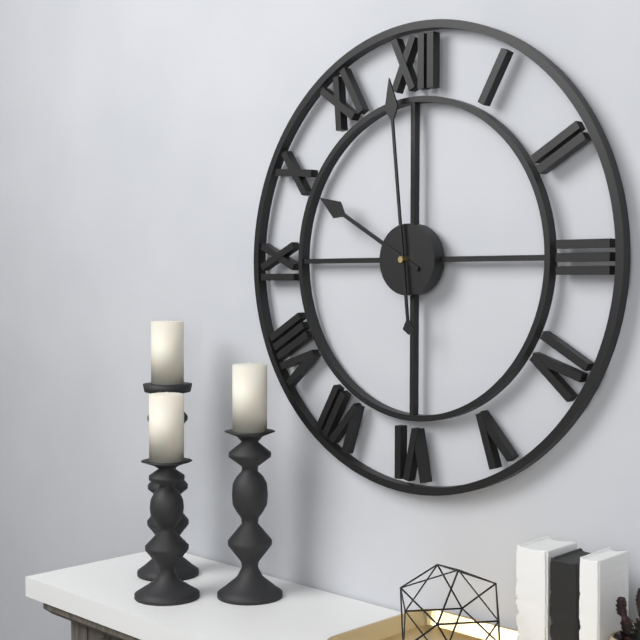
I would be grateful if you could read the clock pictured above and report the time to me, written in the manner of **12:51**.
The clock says **9:59**
